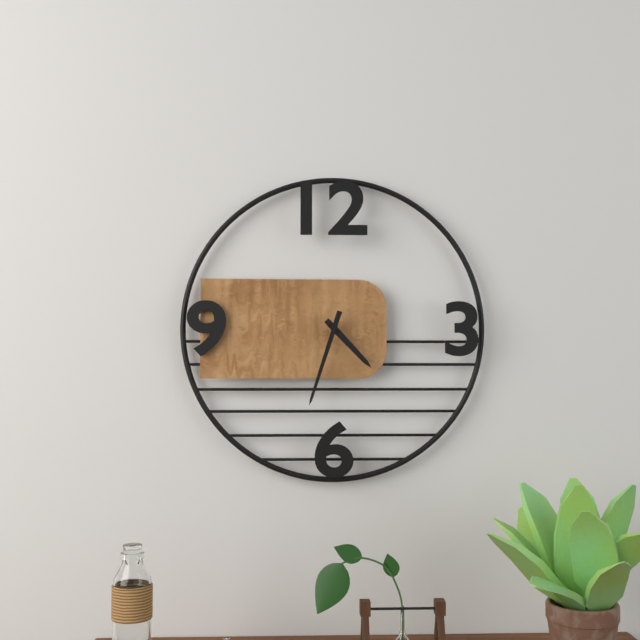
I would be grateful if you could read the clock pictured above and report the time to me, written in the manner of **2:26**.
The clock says **4:33**
